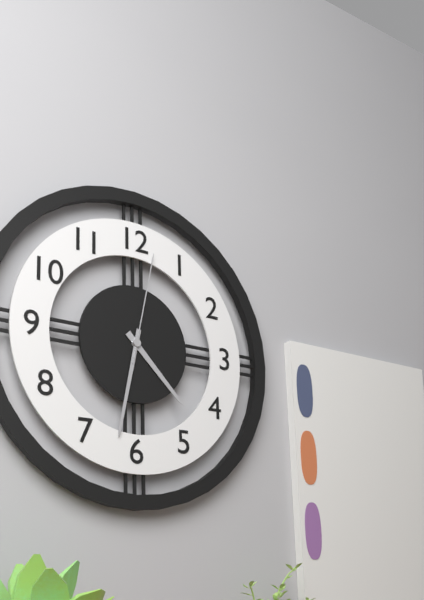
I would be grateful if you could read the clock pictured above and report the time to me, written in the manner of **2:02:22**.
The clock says **4:32:02**
